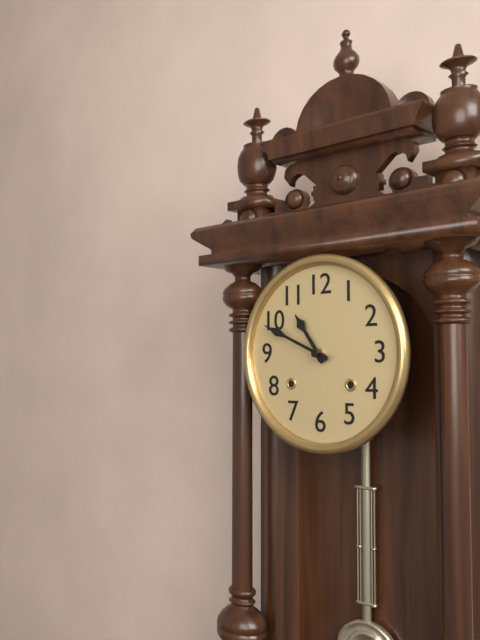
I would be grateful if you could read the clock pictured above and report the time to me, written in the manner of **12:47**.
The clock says **10:49**
